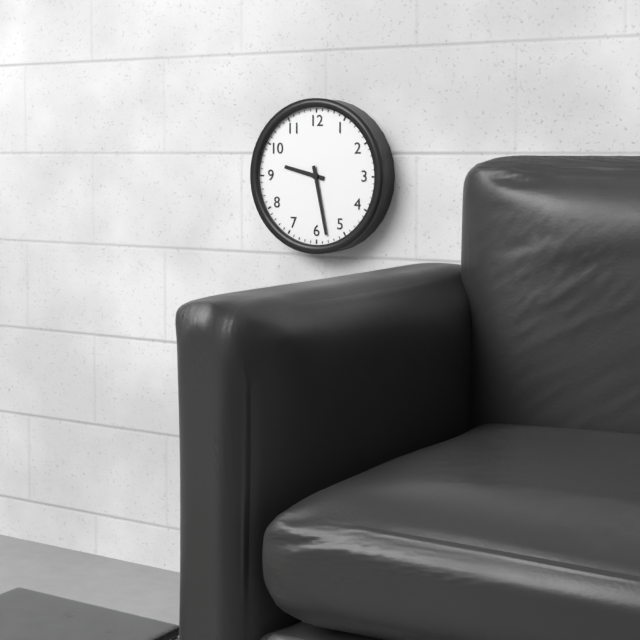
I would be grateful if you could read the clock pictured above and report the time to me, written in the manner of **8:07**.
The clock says **9:28**
